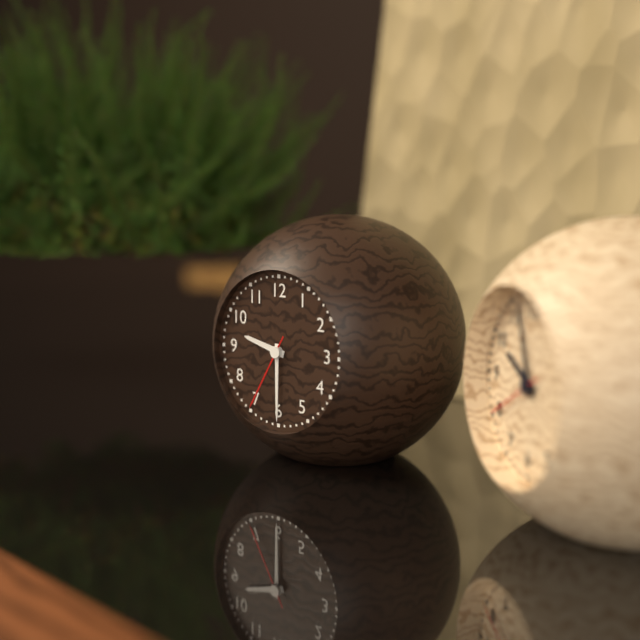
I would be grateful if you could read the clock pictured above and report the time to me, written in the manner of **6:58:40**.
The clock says **9:30:35**
